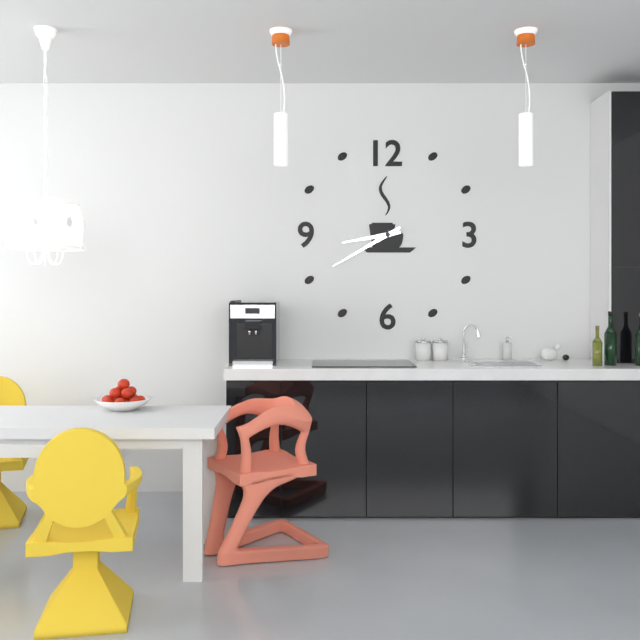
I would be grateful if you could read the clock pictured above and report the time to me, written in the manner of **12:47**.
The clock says **8:40**
